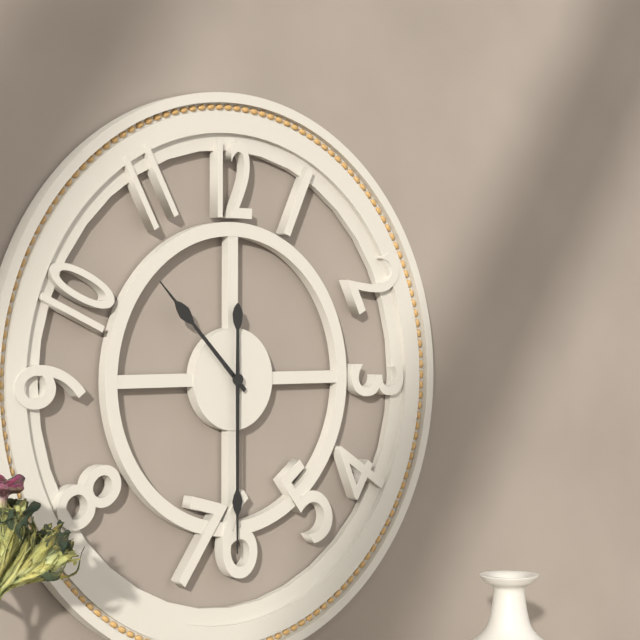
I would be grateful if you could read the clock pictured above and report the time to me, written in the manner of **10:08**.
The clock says **10:30**
